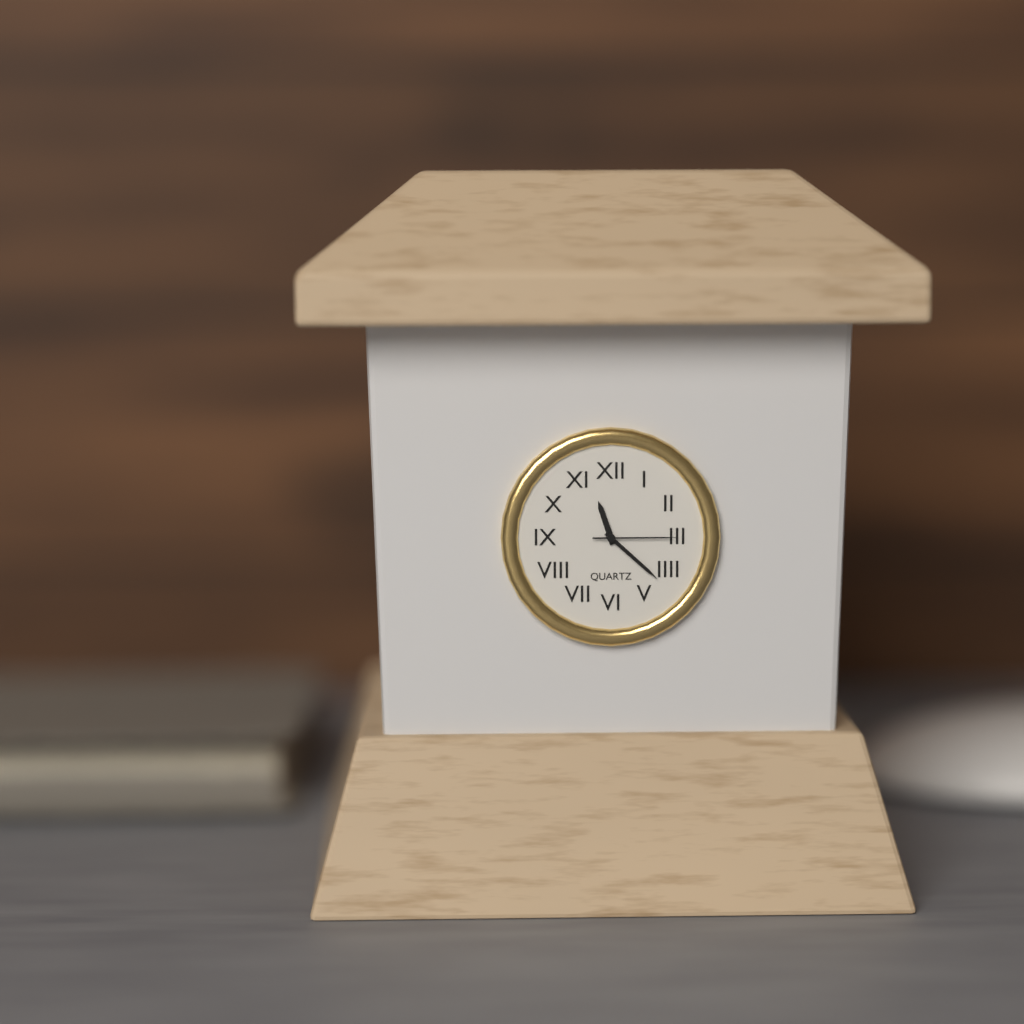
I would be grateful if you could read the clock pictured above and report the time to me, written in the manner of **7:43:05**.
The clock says **11:22:15**
